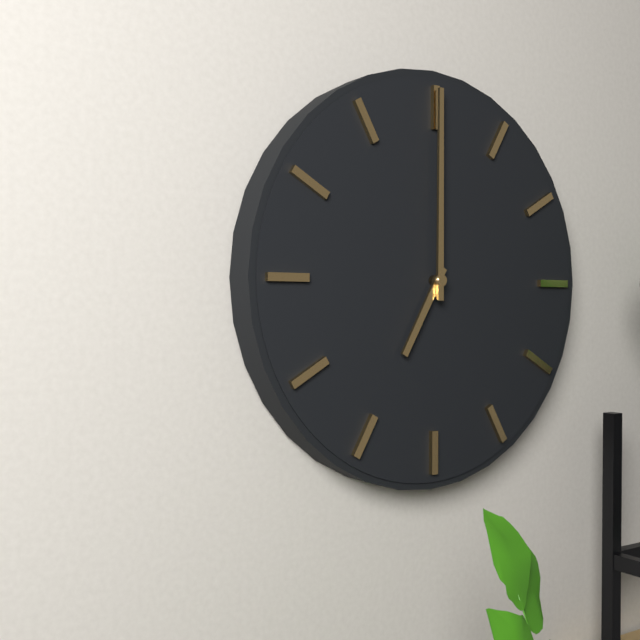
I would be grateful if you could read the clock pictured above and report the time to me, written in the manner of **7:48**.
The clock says **7:00**
